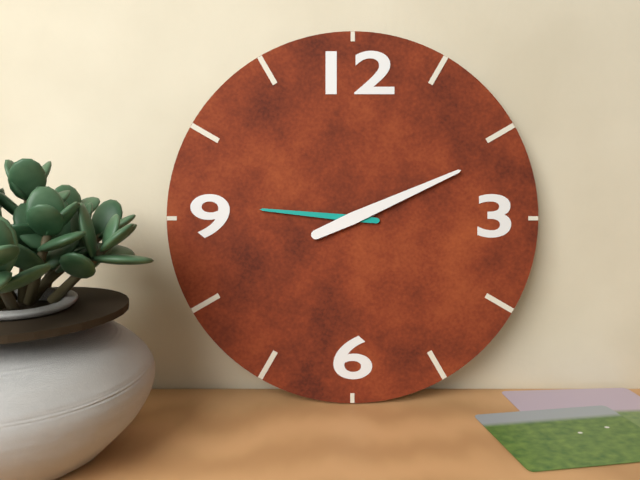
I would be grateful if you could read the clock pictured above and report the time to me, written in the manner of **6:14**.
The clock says **9:11**
